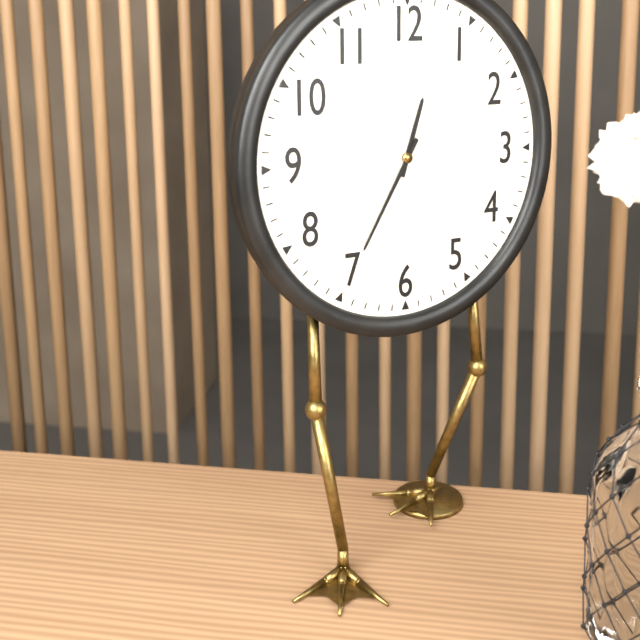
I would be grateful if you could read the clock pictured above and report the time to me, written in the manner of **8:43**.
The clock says **12:35**
